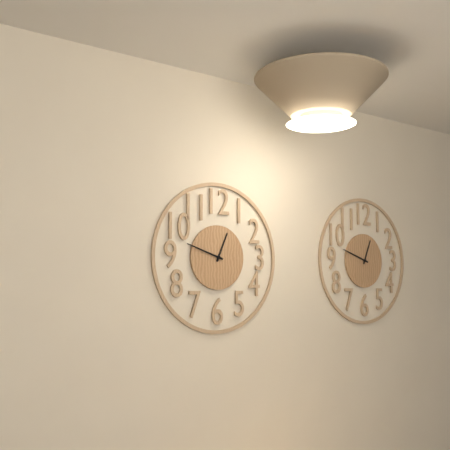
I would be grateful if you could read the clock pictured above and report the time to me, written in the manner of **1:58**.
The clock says **12:48**
